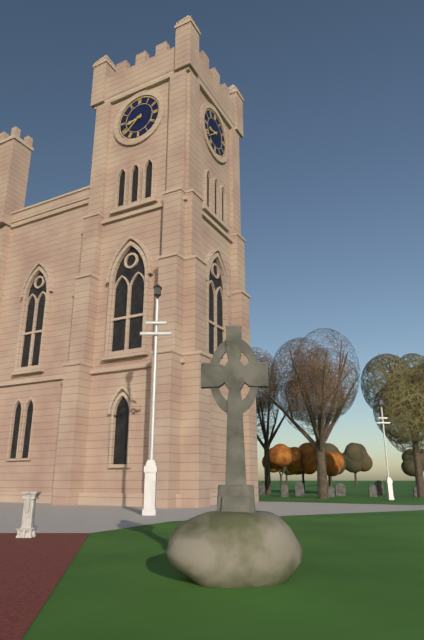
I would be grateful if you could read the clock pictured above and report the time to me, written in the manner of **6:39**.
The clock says **8:38**
